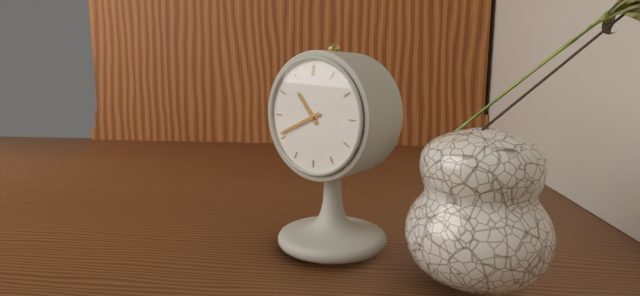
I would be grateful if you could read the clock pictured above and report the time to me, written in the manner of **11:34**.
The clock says **10:41**
